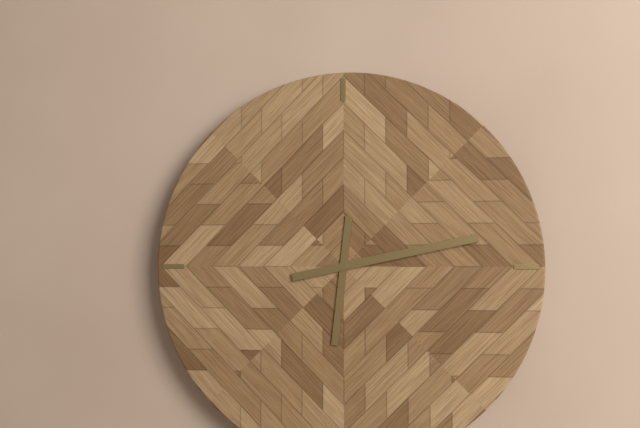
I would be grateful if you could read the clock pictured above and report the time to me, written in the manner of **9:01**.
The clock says **6:13**
